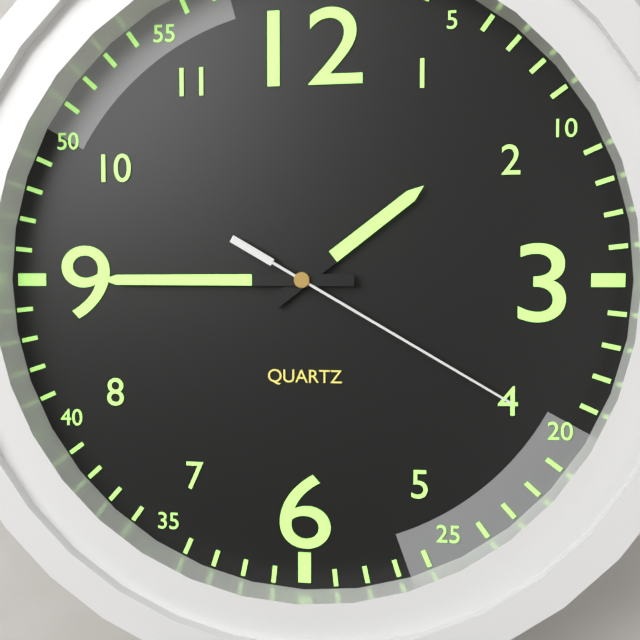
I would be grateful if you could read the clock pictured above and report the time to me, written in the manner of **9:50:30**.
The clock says **1:45:20**
